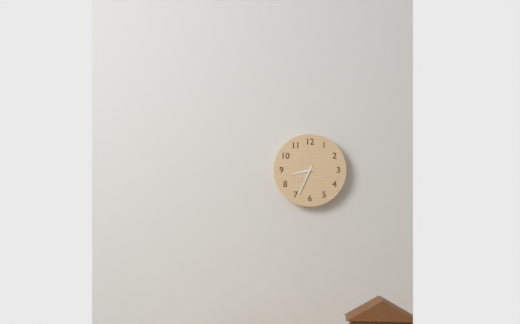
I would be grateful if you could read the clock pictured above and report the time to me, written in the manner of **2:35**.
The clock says **8:34**
